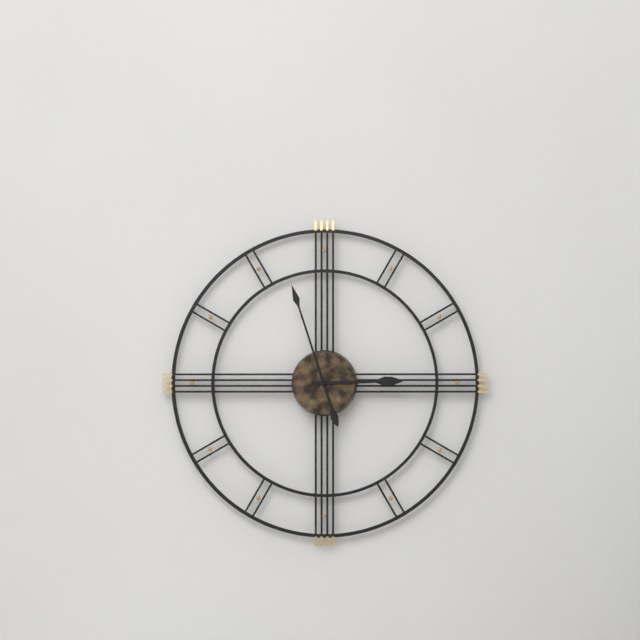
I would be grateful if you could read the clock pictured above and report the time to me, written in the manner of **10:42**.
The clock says **2:57**
